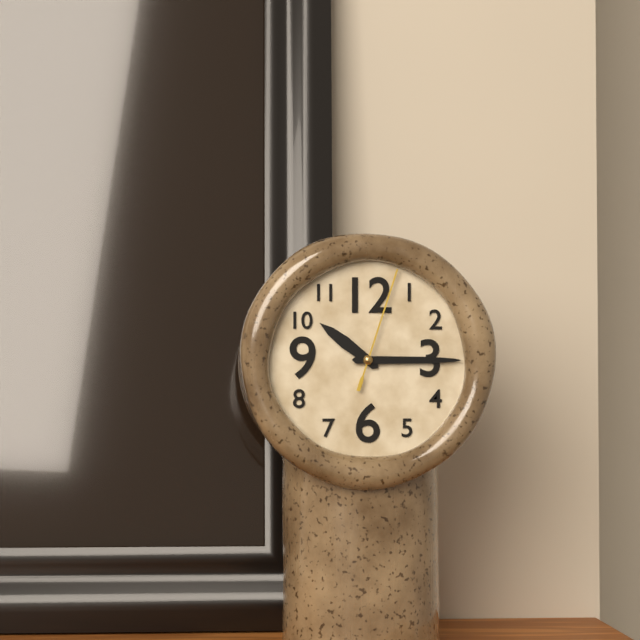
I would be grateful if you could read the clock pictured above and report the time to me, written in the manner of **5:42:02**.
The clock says **10:15:03**
